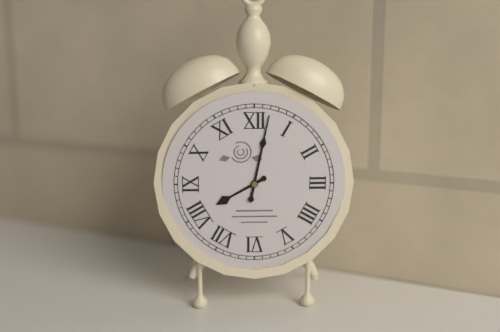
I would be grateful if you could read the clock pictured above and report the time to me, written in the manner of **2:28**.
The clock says **8:02**
